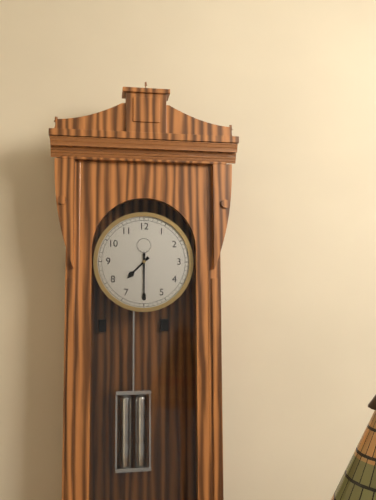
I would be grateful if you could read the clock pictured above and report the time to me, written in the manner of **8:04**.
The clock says **7:30**
